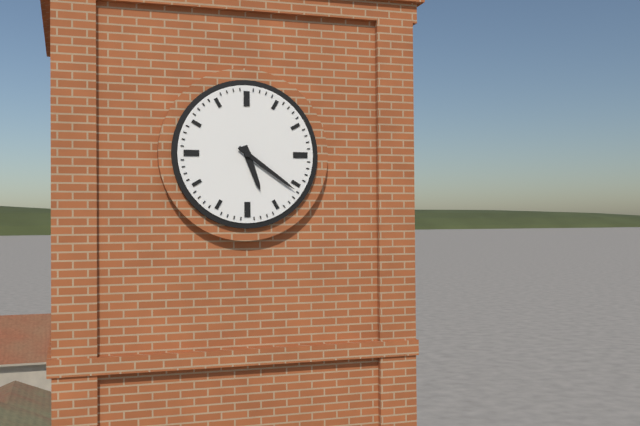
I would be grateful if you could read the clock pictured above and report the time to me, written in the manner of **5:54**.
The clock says **5:21**
